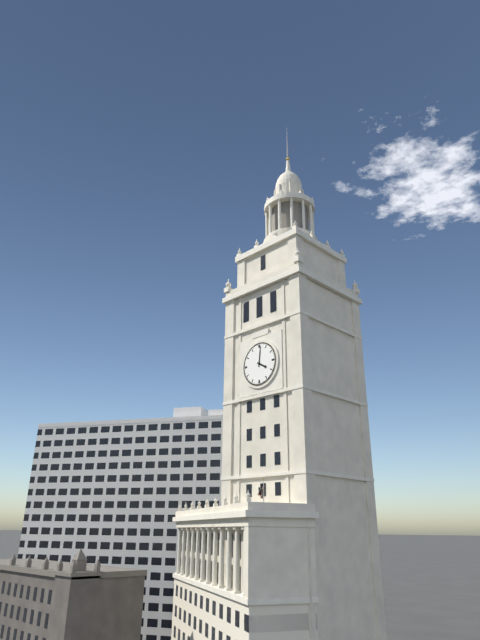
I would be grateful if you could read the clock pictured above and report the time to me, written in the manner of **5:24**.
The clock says **4:01**
